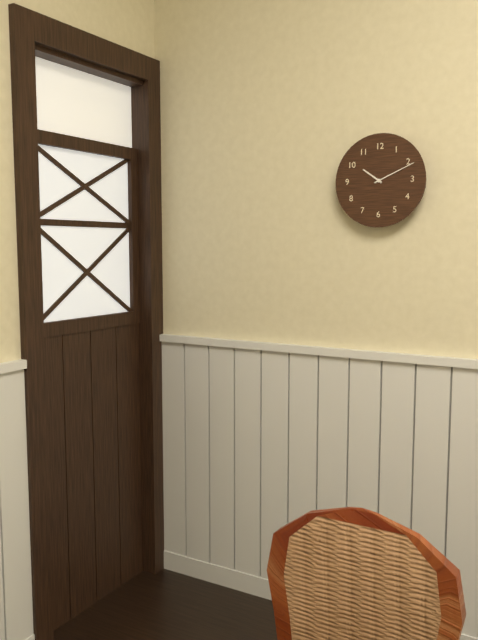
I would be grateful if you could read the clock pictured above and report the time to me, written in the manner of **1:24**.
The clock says **10:11**
